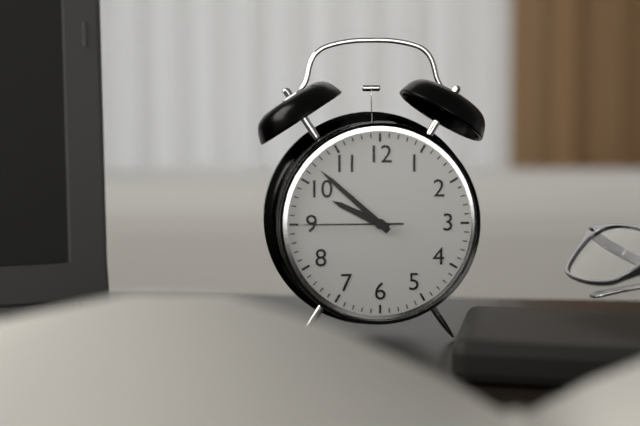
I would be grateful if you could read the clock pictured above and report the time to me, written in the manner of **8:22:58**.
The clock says **9:52:45**
